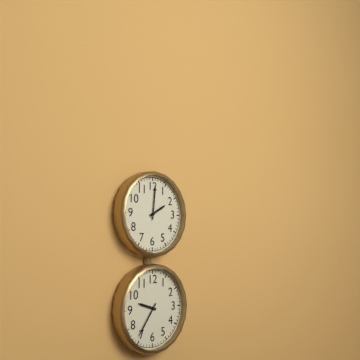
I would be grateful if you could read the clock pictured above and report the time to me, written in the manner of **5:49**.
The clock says **2:01**
